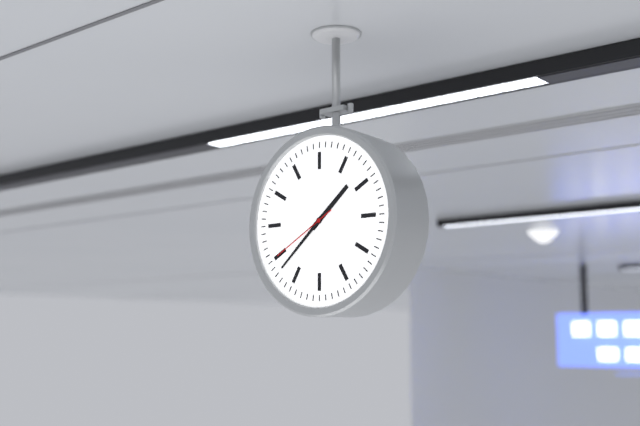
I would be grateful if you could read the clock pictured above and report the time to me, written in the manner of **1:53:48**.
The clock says **1:38:40**
